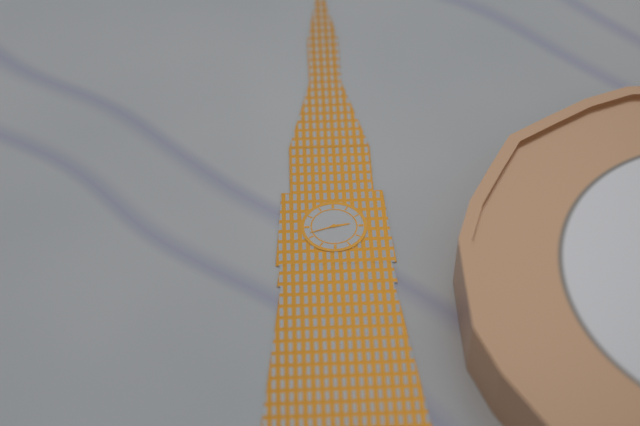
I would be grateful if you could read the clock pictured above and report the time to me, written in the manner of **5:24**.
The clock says **2:42**
